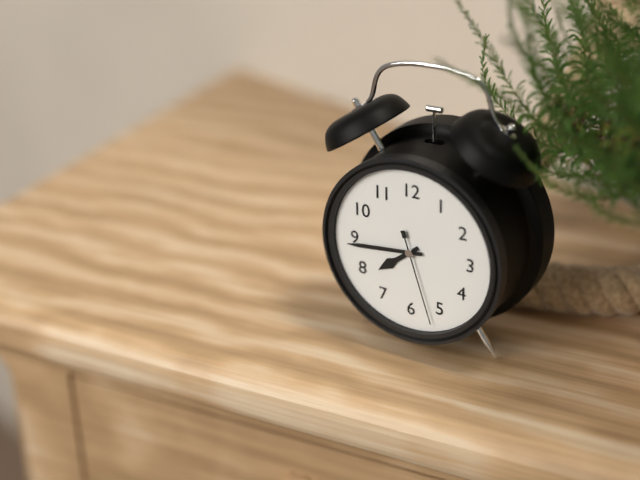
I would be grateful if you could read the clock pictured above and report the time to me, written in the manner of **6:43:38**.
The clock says **7:44:27**
